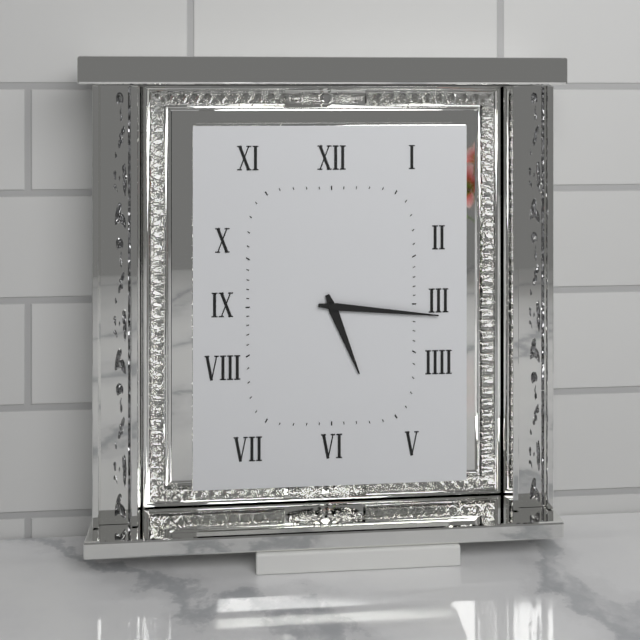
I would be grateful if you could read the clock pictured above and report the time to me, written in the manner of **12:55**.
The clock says **5:16**
